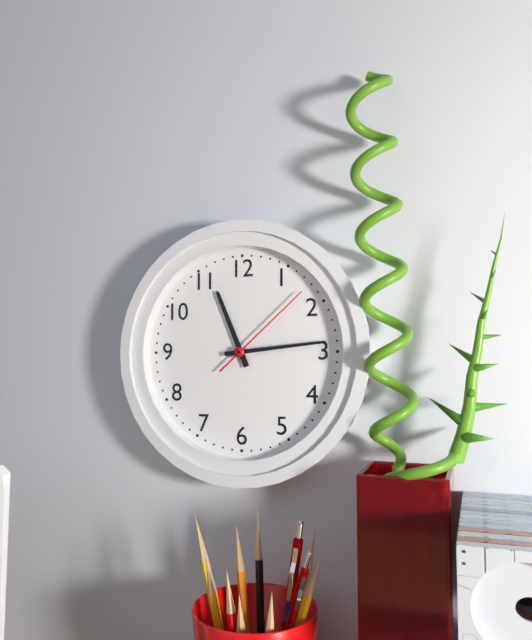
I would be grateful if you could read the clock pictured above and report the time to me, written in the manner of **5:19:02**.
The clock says **11:14:08**
